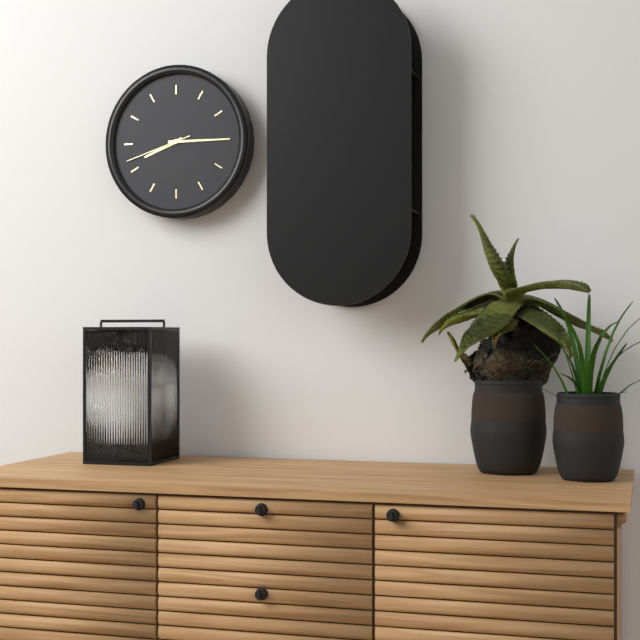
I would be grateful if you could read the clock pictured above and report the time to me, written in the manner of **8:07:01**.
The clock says **8:15:42**
